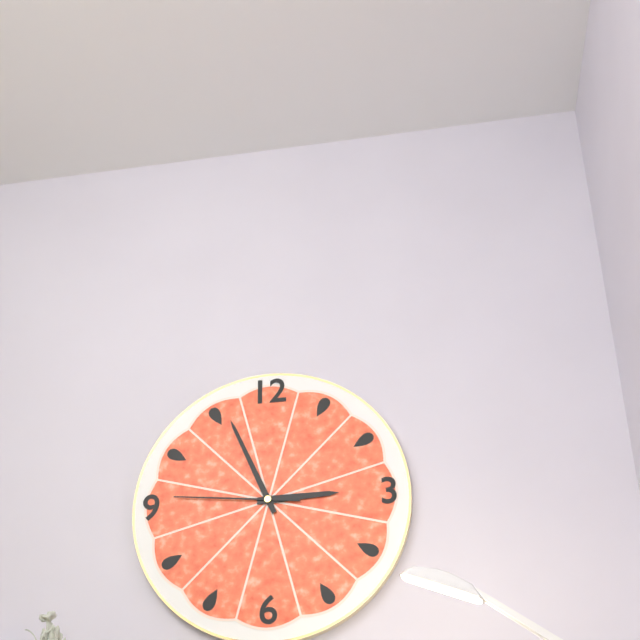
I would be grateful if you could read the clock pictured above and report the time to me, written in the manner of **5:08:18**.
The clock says **2:56:46**
